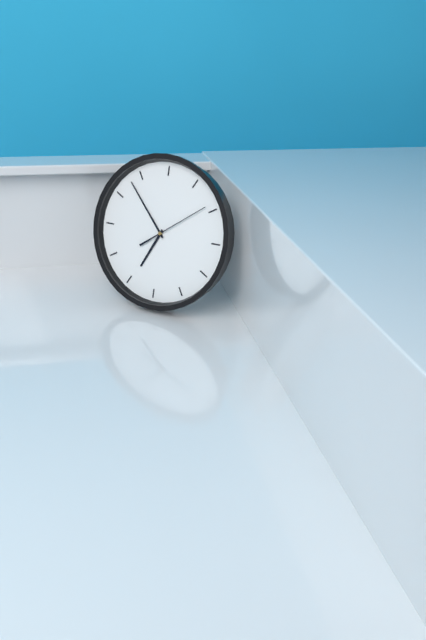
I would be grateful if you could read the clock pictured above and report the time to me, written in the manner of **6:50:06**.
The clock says **6:53:09**
